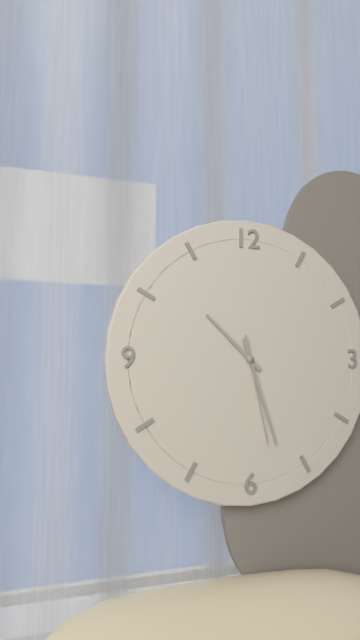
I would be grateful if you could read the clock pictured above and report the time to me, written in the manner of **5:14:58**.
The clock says **10:27:28**
